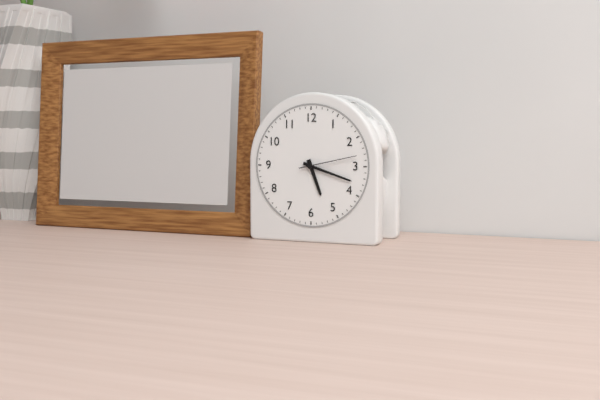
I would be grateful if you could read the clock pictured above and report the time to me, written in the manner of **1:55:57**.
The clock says **5:18:13**
